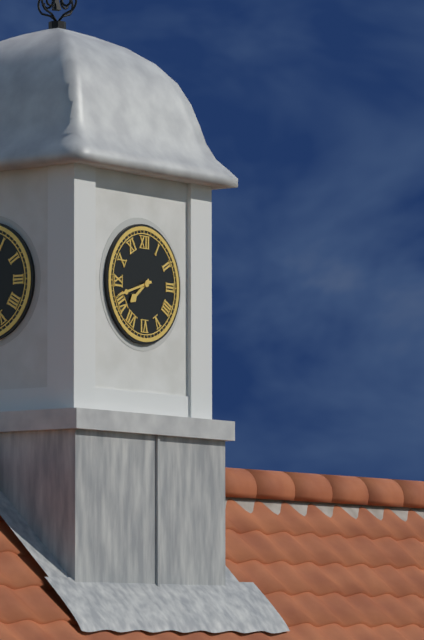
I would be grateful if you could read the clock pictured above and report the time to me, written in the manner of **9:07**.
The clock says **7:42**
